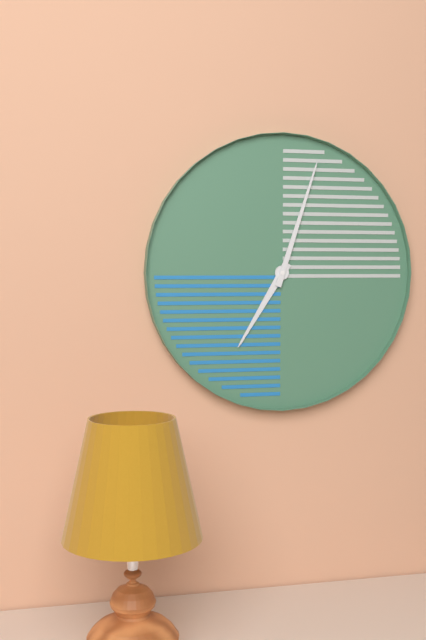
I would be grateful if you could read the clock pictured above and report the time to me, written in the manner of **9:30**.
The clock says **7:03**
